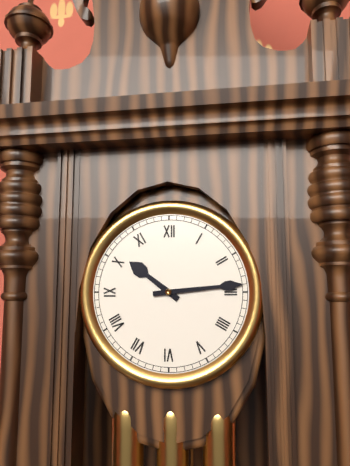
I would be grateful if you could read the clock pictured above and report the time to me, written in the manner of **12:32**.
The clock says **10:14**
